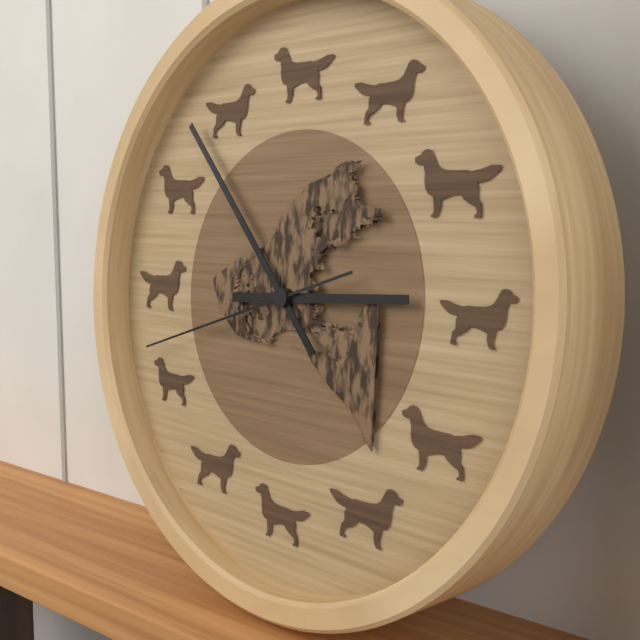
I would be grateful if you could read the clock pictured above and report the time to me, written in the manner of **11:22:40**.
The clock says **2:53:42**
